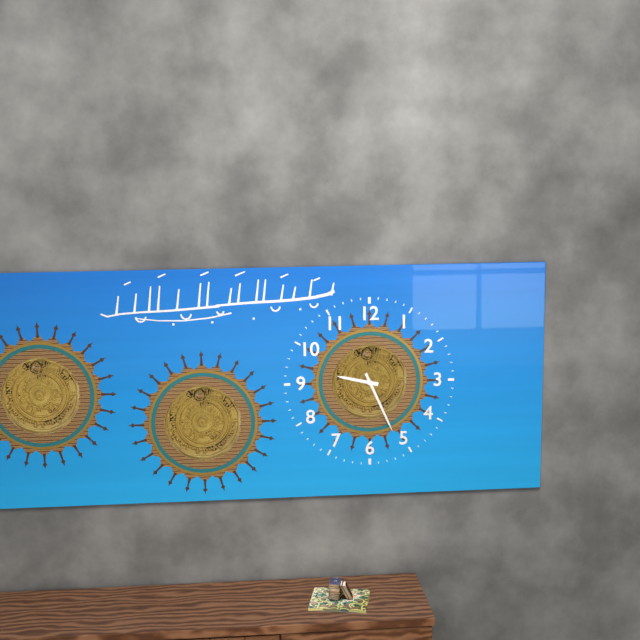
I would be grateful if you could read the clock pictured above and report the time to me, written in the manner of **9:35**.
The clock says **9:26**
